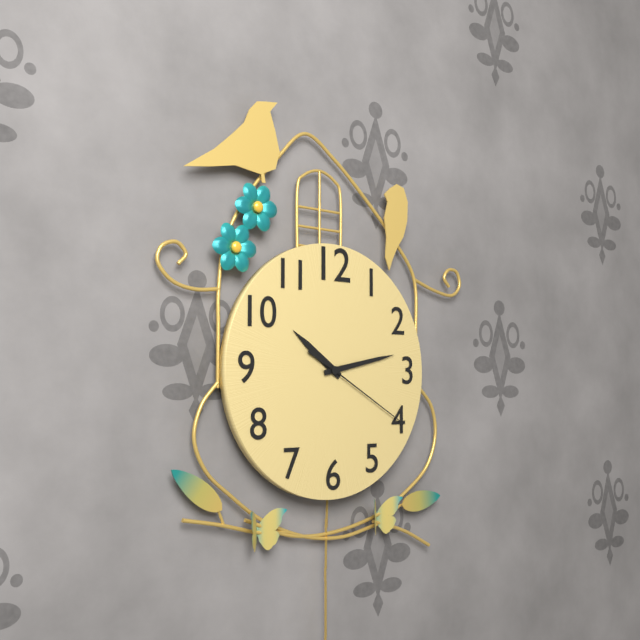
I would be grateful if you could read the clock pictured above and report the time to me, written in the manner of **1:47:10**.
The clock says **10:13:20**
